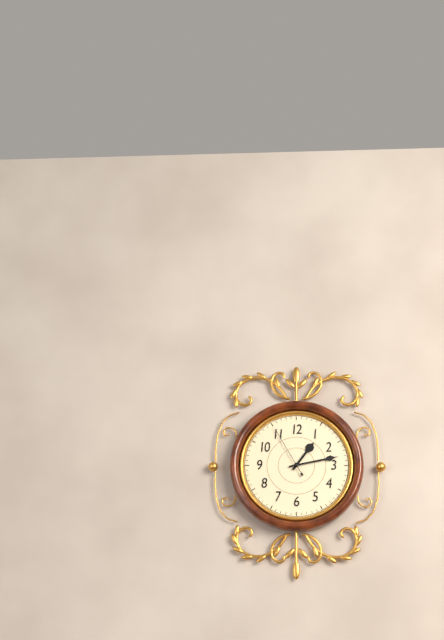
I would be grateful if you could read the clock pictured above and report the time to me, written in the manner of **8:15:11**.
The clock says **1:13:55**
